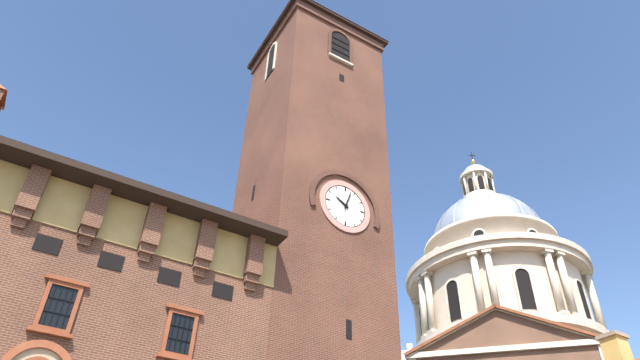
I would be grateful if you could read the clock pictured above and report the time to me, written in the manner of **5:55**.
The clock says **10:03**
